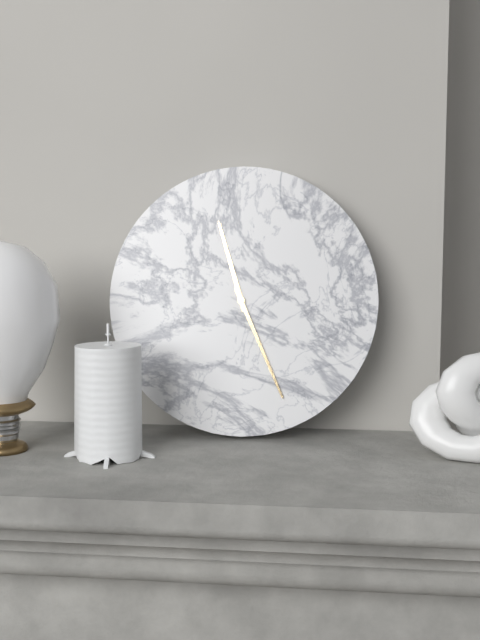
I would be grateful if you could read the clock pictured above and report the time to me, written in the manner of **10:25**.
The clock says **11:26**
